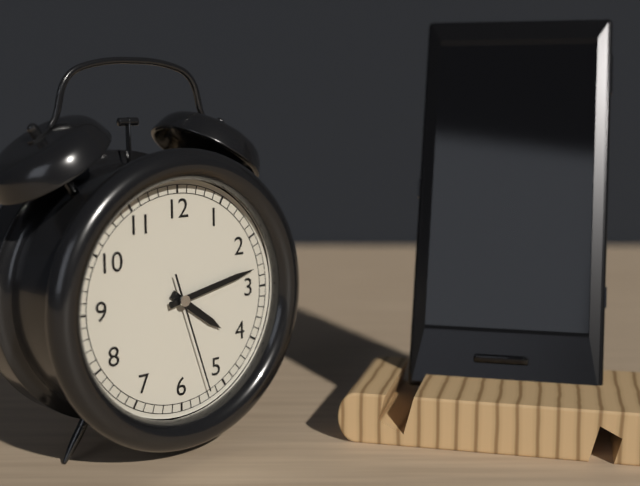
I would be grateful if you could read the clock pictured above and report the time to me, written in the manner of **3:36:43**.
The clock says **4:13:27**
